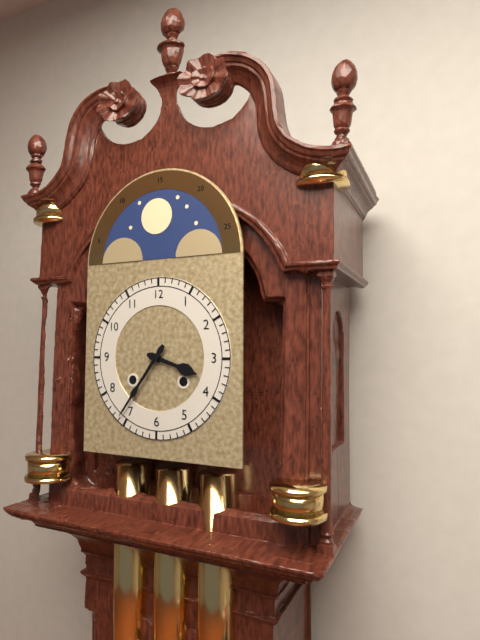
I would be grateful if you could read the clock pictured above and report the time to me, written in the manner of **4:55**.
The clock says **3:36**
